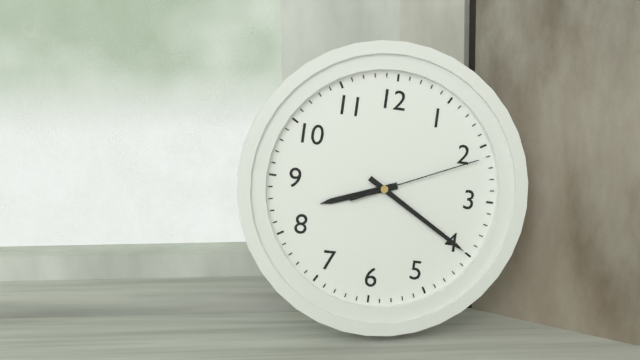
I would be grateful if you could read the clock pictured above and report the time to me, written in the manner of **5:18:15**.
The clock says **8:20:11**
